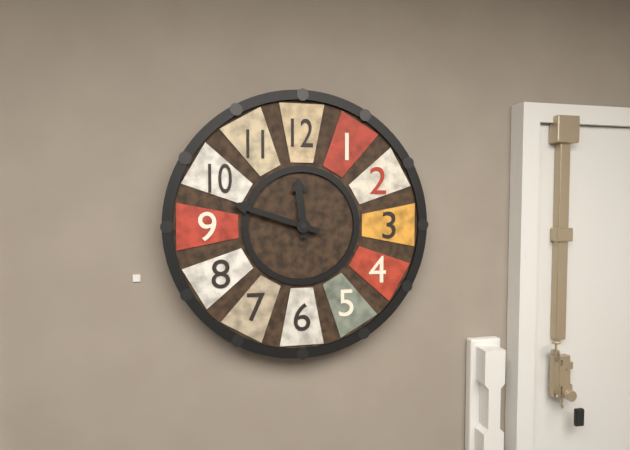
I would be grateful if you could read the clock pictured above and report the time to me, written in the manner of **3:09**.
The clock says **11:48**
